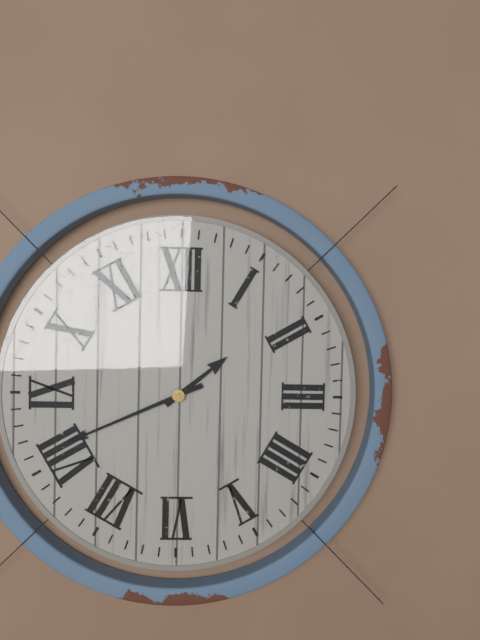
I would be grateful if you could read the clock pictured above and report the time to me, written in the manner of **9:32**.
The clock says **1:41**
